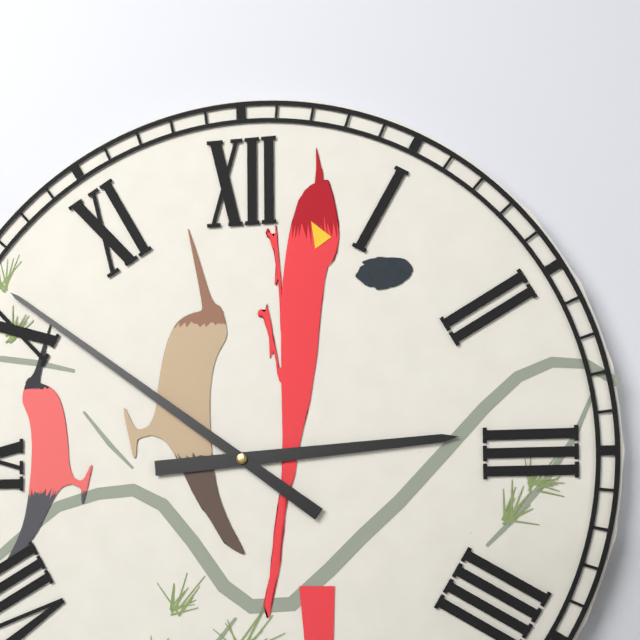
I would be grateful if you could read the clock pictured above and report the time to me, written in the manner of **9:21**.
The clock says **2:51**
